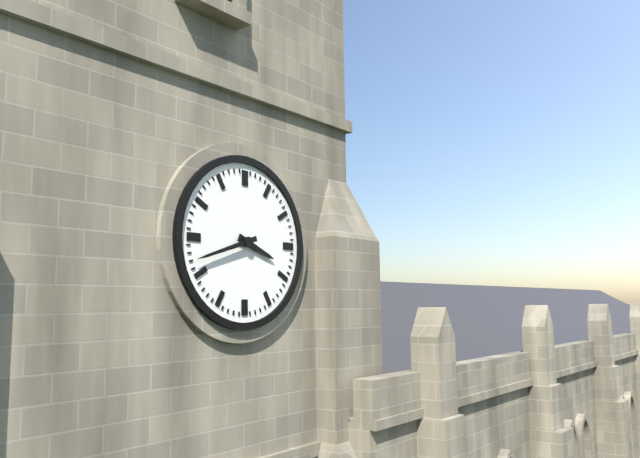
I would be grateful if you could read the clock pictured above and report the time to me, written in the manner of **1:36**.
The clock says **3:42**
